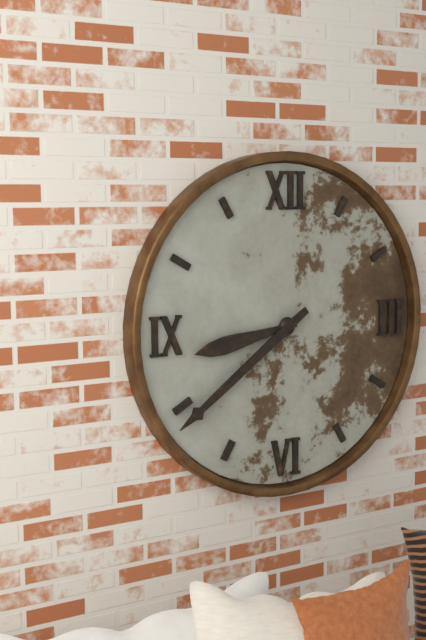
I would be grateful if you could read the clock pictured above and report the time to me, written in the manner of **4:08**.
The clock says **8:39**
